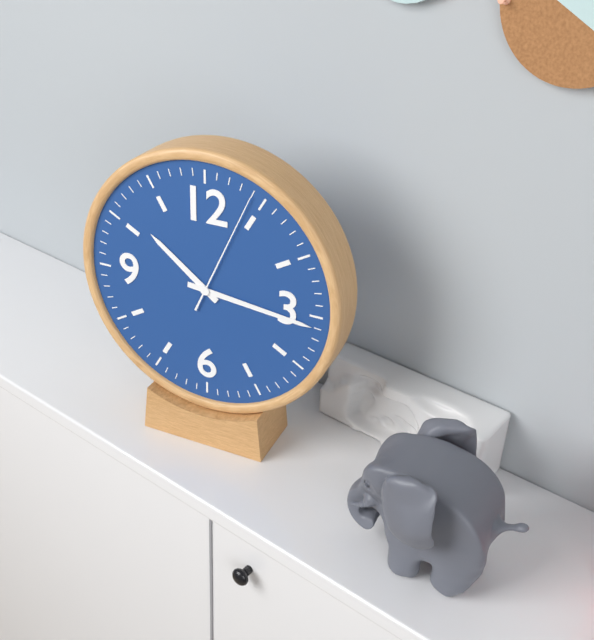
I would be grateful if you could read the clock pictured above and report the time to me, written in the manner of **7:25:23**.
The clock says **10:16:04**
